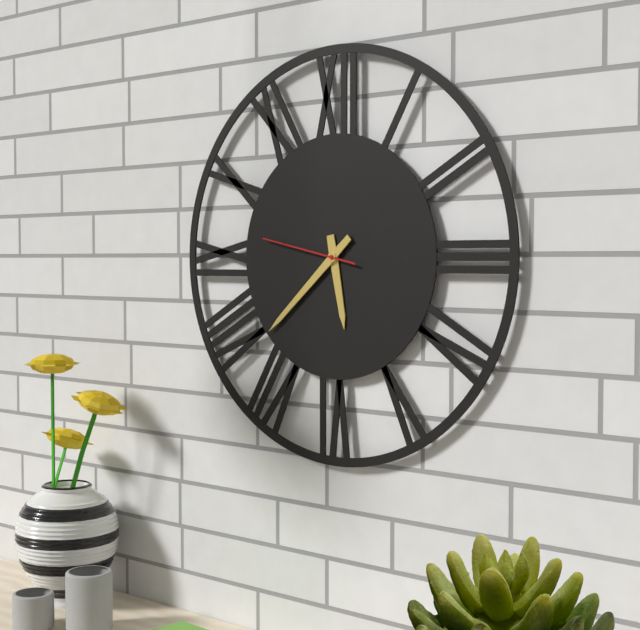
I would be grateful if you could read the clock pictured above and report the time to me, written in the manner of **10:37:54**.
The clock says **5:38:47**
